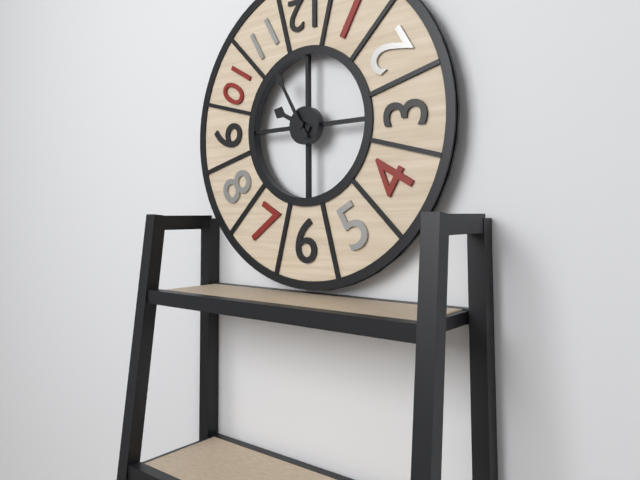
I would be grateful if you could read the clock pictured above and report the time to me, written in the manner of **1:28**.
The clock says **9:55**
